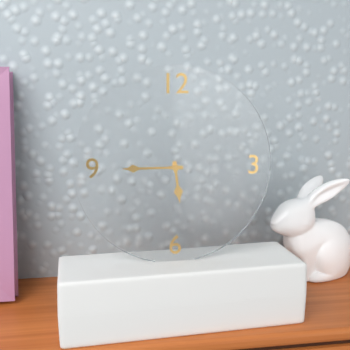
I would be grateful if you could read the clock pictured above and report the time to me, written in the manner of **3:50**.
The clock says **5:45**
